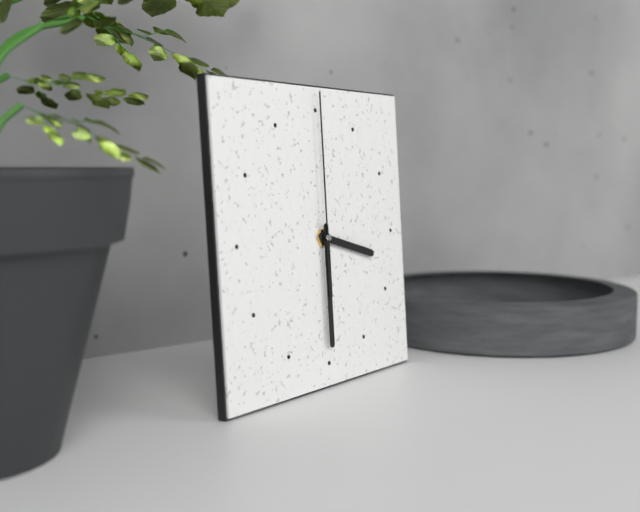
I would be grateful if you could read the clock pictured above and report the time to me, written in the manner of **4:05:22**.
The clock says **3:30:00**
